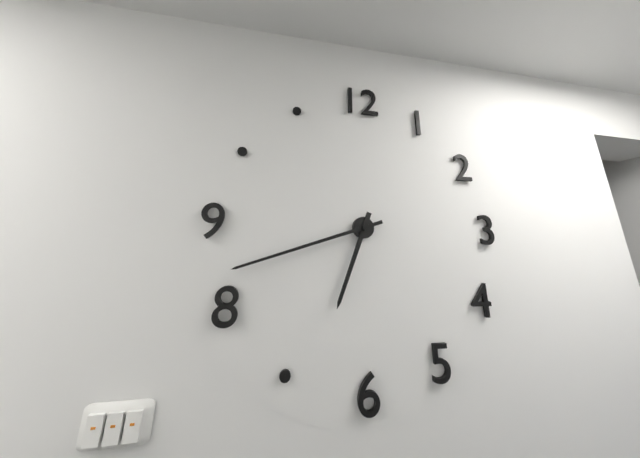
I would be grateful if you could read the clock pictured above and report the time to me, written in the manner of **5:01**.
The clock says **6:42**
